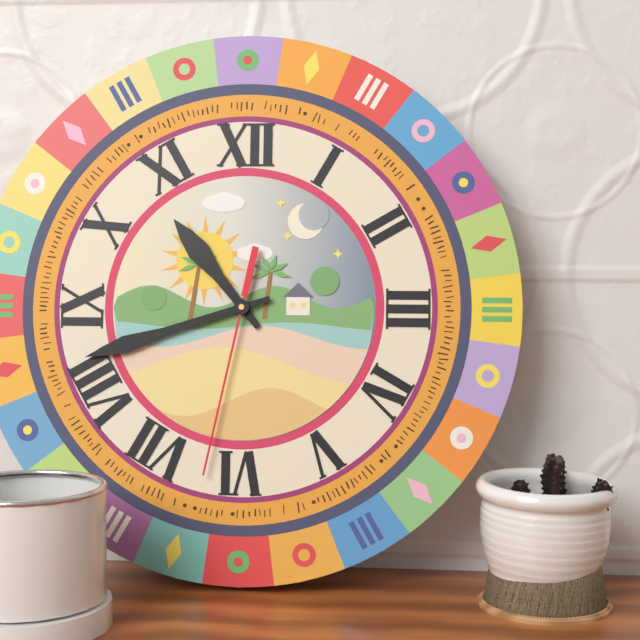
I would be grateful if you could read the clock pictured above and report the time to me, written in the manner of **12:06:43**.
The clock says **10:42:32**
